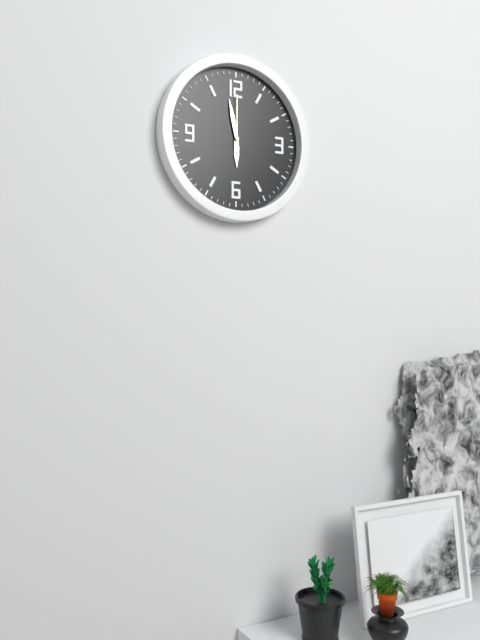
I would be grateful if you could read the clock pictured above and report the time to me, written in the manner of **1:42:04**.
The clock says **5:58:00**
